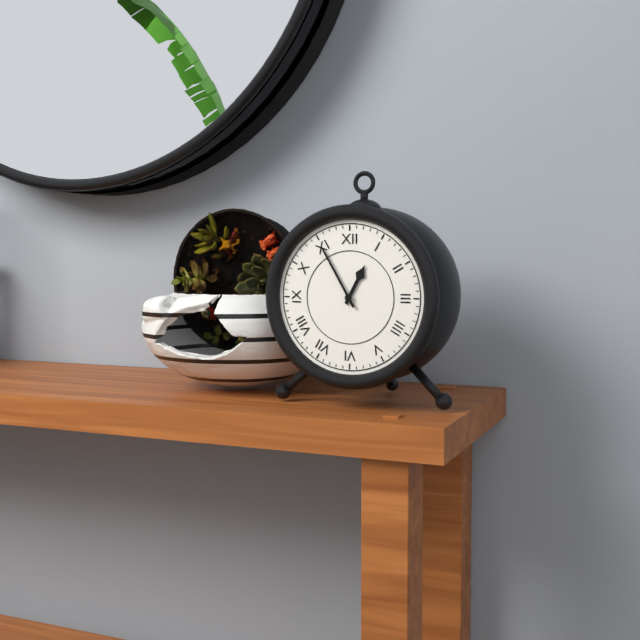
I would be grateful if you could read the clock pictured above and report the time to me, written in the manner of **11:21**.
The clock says **12:55**
